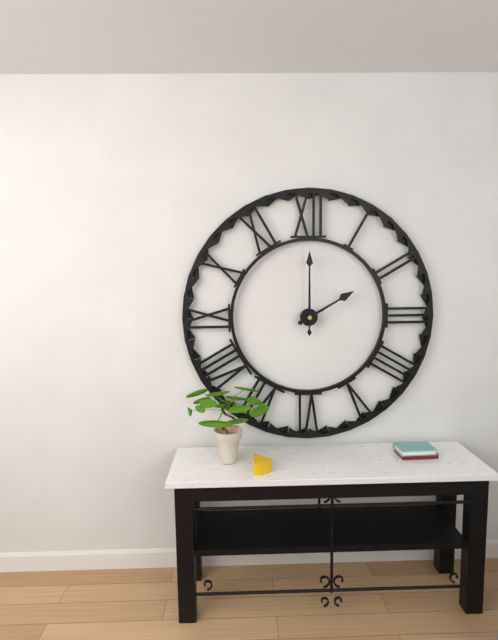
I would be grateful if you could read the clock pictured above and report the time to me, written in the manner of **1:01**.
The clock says **2:00**
